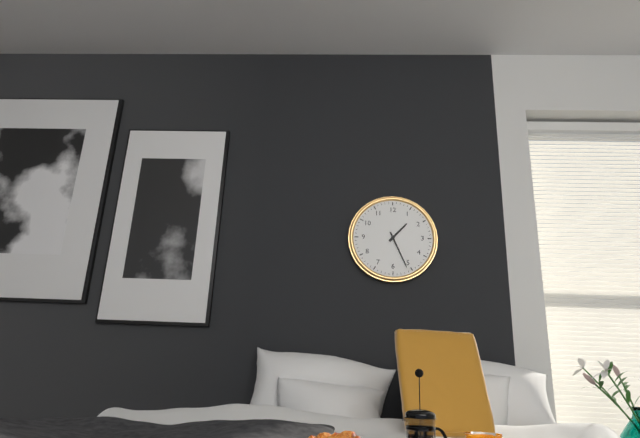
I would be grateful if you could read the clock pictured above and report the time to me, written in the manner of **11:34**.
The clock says **1:26**
